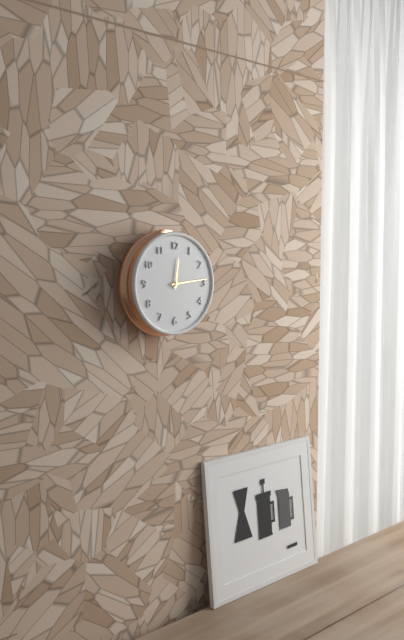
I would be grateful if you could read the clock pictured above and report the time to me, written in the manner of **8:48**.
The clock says **12:14**
